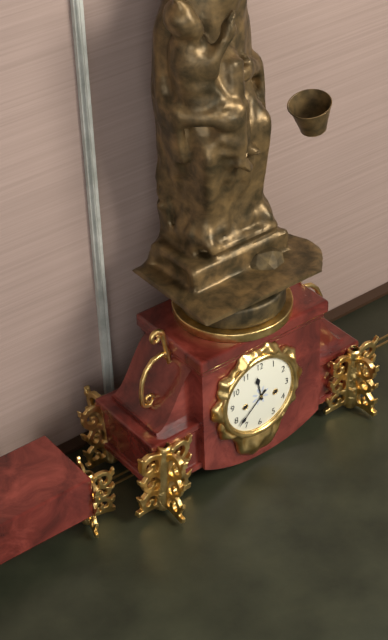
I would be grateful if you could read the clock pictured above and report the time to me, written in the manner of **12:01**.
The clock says **11:38**
